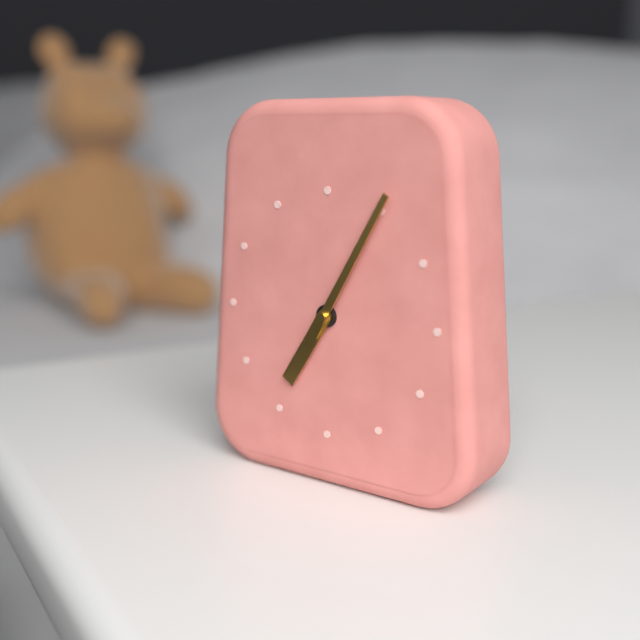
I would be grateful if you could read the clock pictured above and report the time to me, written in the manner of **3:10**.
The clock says **7:05**
